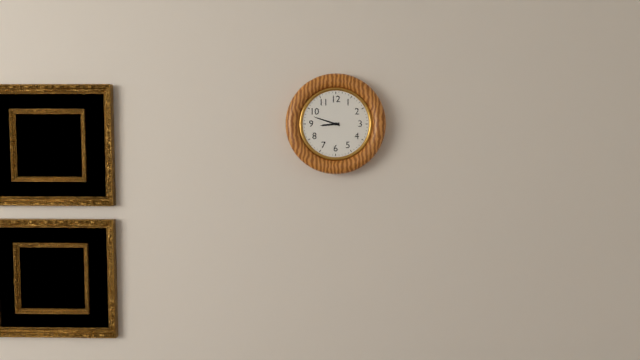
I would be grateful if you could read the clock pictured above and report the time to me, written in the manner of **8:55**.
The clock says **8:48**
